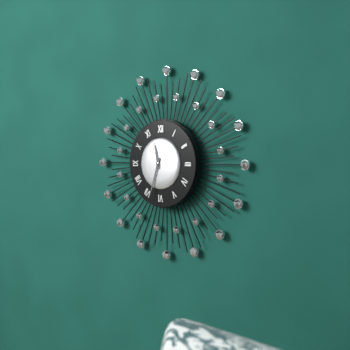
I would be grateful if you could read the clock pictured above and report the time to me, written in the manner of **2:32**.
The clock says **11:33**
